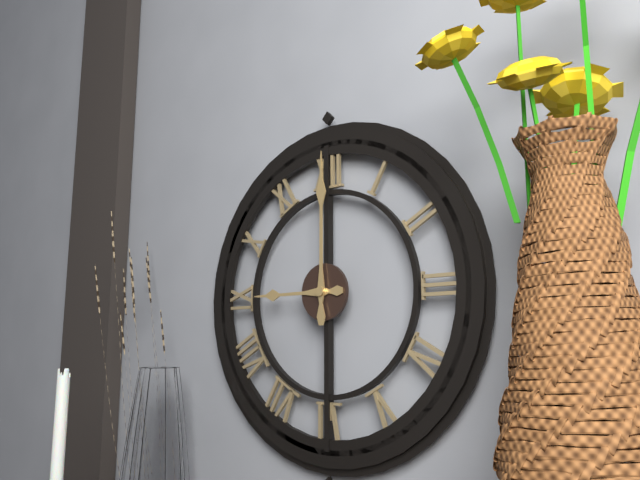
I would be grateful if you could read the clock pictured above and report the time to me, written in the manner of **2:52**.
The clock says **9:00**
